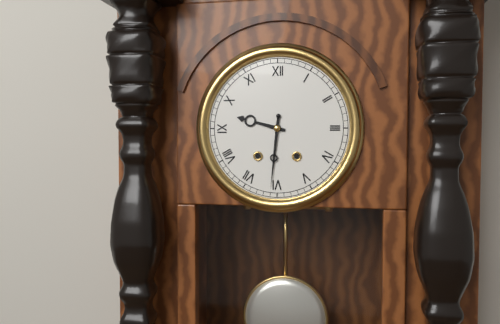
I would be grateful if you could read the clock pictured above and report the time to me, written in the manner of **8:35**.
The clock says **9:31**
